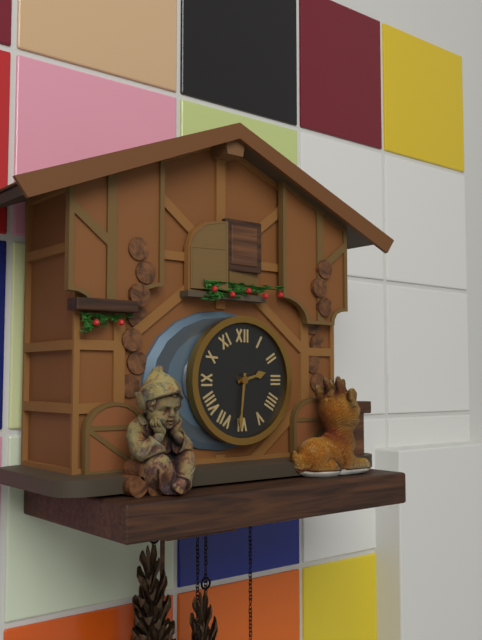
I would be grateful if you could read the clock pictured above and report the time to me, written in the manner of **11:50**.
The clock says **2:31**
